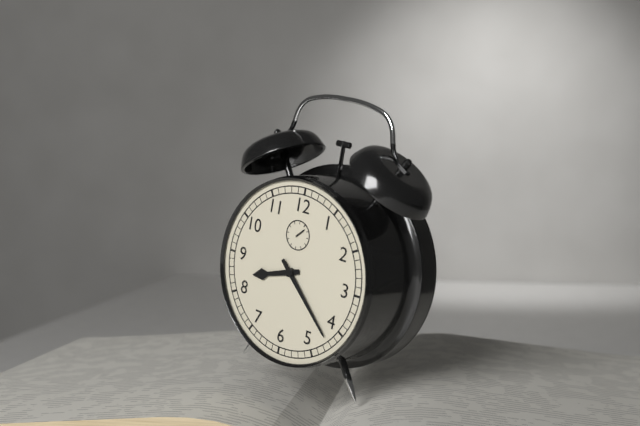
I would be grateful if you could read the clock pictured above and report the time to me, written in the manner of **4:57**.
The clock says **8:22**
